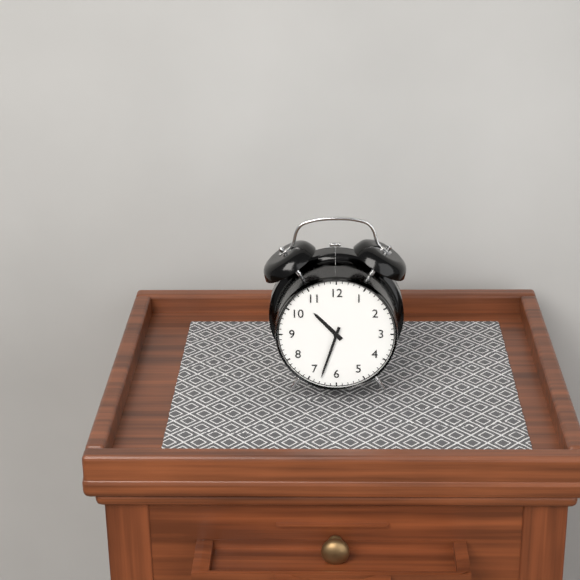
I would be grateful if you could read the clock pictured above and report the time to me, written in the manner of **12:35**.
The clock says **10:33**
